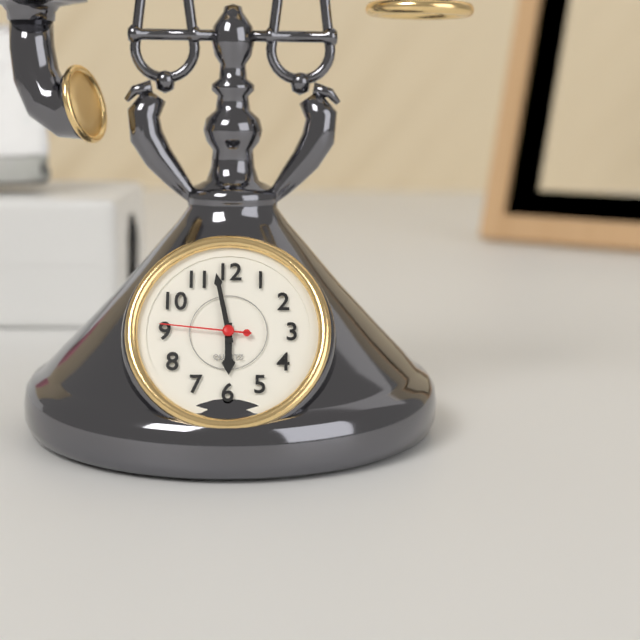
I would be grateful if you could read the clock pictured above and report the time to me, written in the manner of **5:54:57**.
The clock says **5:58:46**
